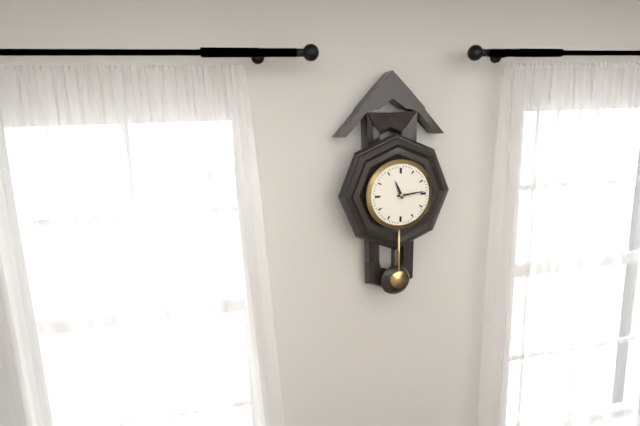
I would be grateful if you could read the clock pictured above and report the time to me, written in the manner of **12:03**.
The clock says **11:14**
